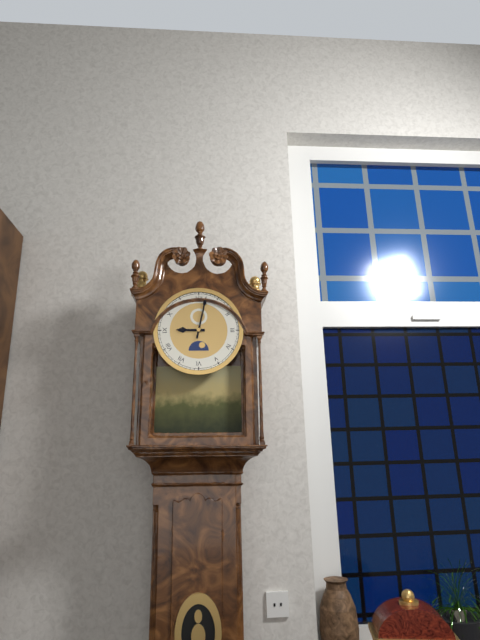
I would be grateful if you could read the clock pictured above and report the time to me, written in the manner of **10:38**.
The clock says **9:02**
